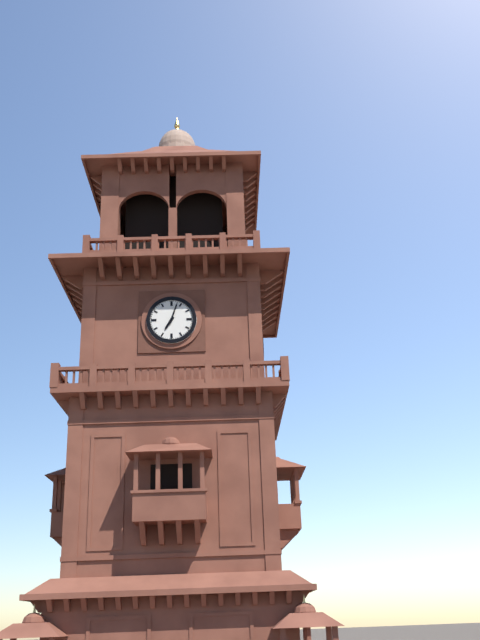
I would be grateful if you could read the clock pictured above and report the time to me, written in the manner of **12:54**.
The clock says **7:03**
